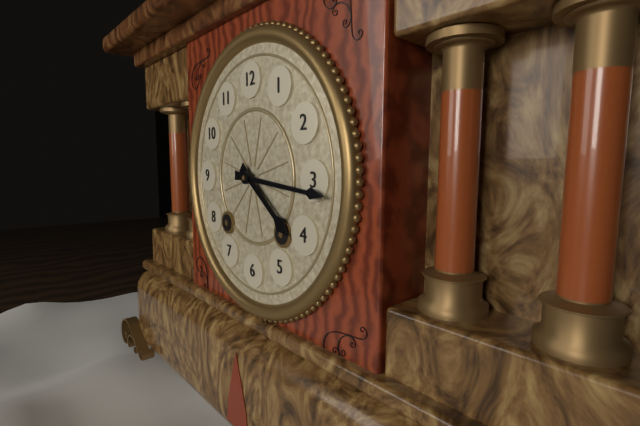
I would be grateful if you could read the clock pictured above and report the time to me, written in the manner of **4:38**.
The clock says **4:16**
